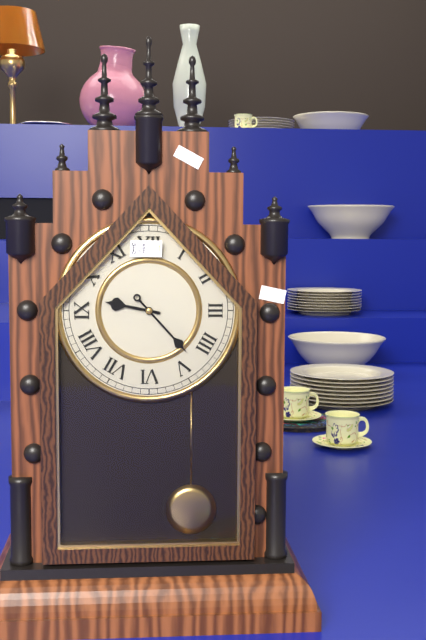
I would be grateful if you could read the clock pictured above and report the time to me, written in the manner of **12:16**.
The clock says **9:23**
